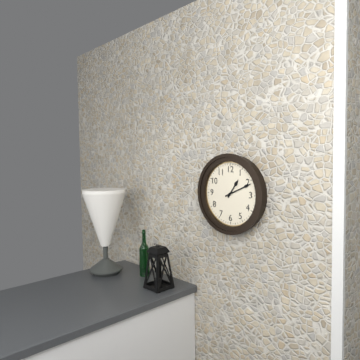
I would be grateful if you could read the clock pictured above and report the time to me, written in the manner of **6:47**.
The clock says **1:11**
